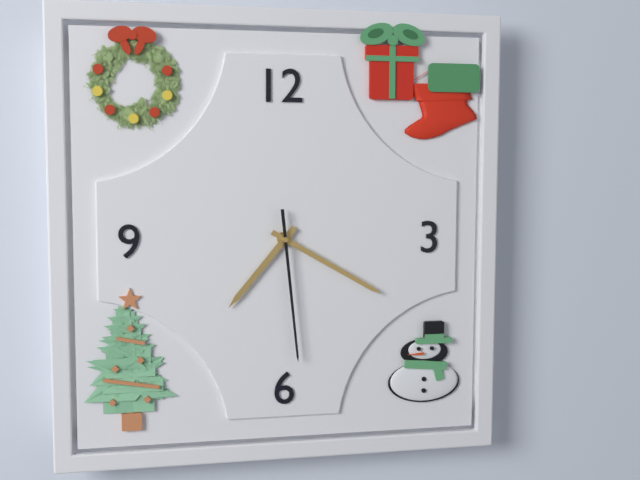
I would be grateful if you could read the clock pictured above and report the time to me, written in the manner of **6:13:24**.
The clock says **7:20:29**
